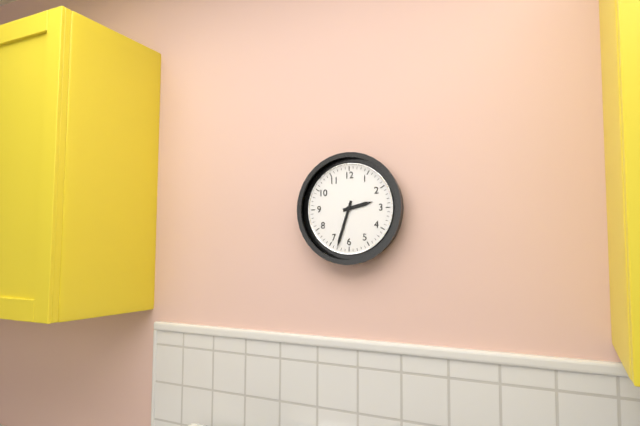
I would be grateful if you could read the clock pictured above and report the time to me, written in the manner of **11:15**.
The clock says **2:33**
